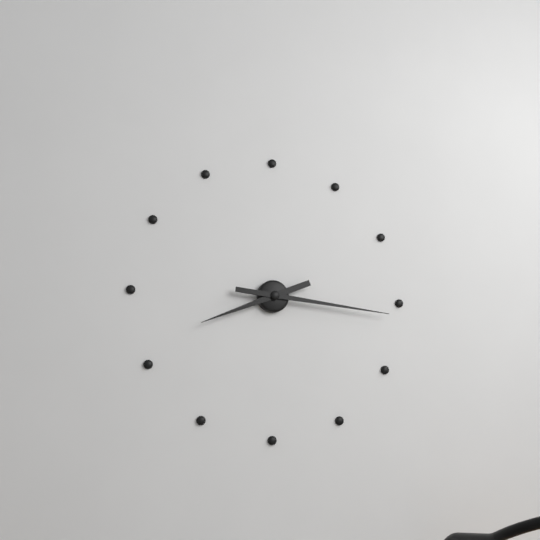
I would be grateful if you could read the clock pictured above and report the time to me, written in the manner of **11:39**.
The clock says **8:16**
